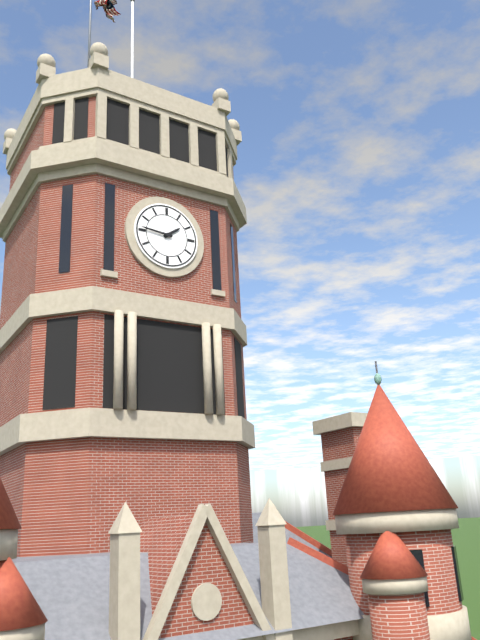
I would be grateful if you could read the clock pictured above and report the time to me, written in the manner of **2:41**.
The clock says **1:46**
